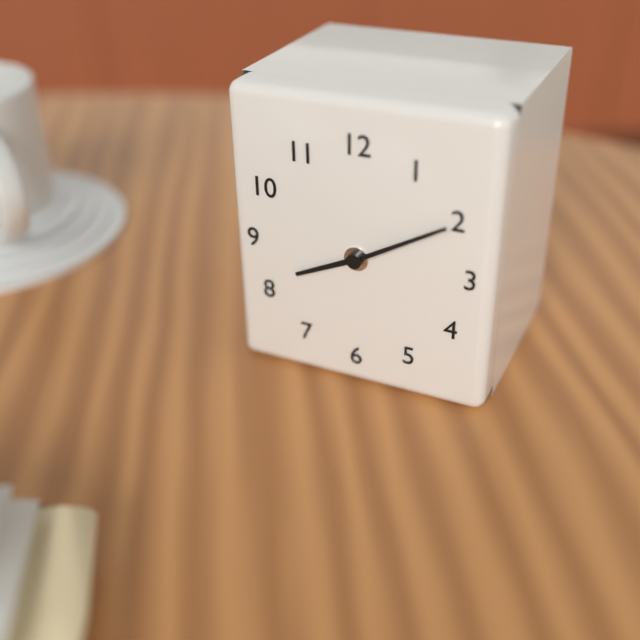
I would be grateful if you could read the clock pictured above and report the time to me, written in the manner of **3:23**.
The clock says **8:10**
